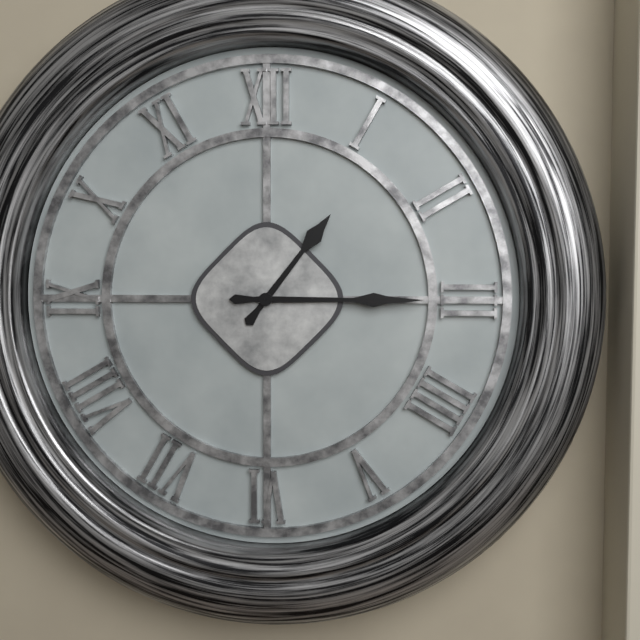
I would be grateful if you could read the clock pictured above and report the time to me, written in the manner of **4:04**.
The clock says **1:15**
